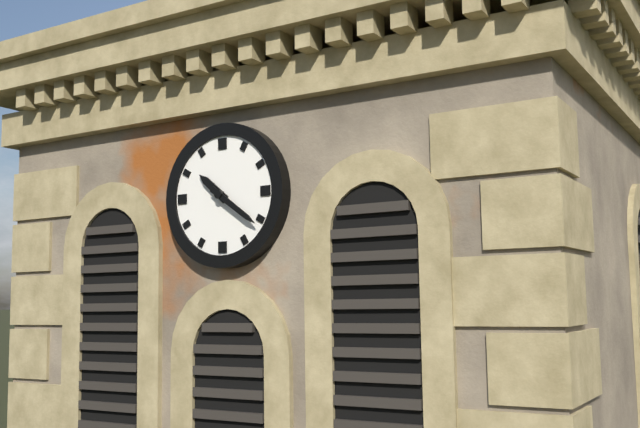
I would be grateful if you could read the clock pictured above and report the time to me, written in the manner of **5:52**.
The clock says **10:21**
